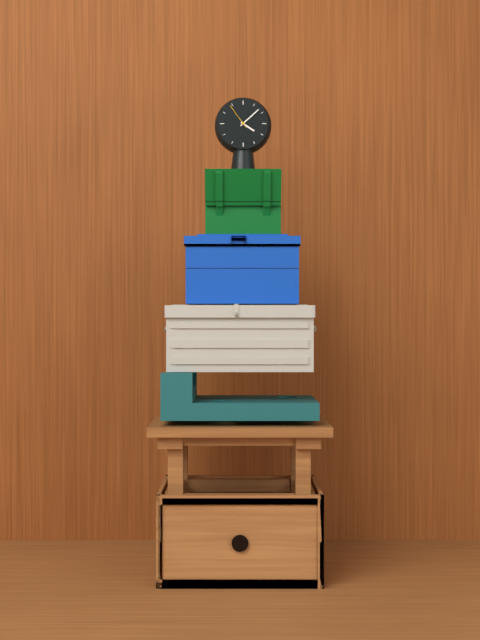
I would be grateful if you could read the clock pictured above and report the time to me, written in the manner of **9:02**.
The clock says **4:08**
